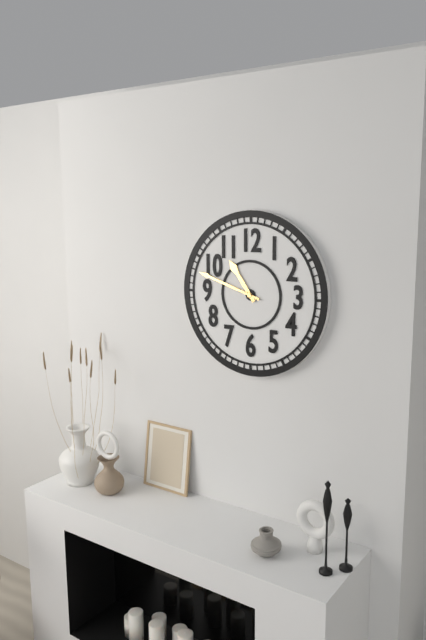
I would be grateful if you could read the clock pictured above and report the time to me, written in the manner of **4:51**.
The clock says **10:48**
